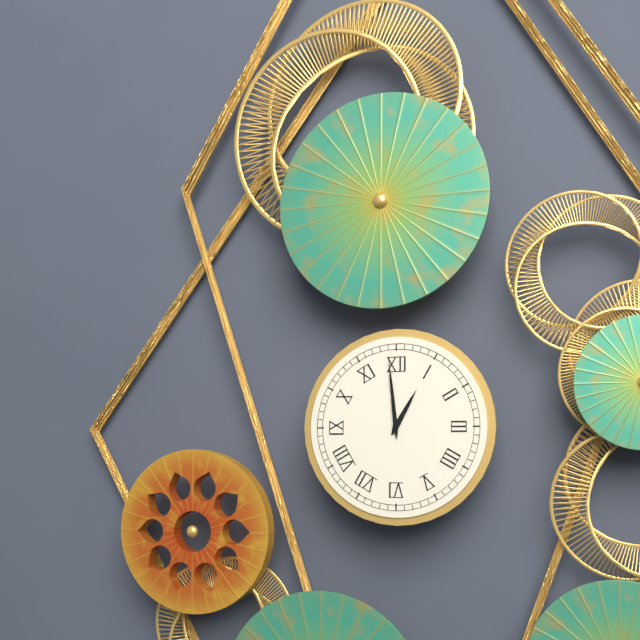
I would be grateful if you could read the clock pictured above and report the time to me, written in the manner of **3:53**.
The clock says **12:59**
